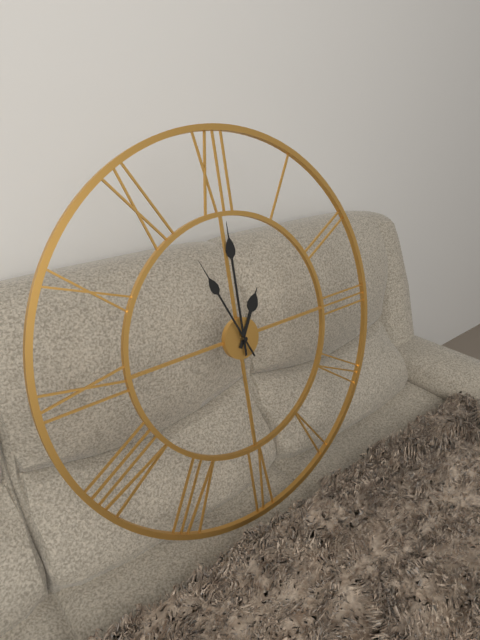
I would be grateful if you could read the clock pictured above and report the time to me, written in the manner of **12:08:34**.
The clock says **1:00:56**
